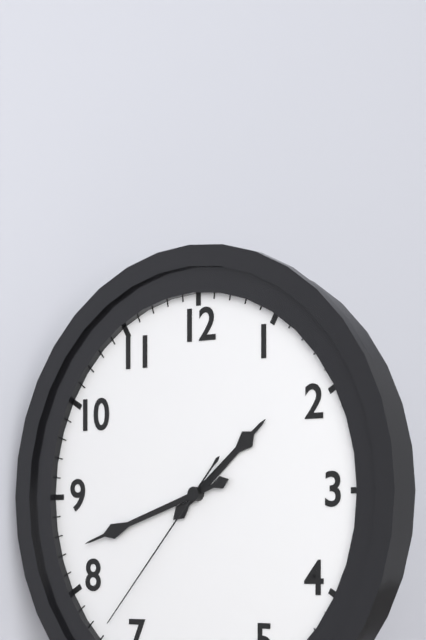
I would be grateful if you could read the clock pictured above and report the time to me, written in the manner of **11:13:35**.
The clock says **1:42:37**
